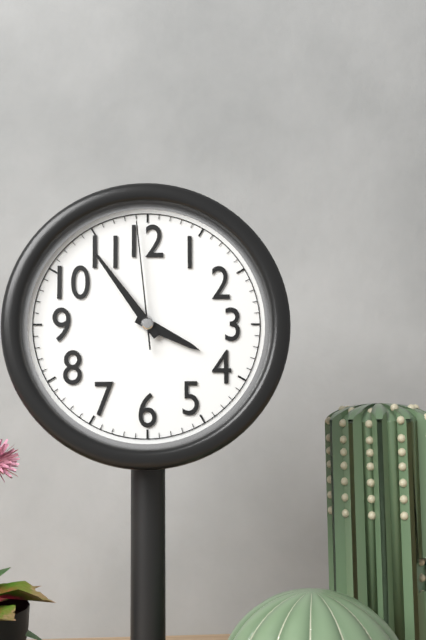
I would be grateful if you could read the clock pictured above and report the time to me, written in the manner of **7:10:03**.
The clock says **3:54:59**
